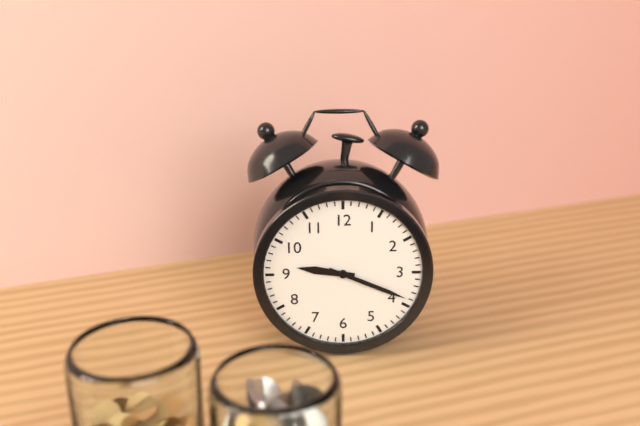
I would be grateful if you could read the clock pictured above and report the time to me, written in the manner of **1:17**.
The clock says **9:19**
